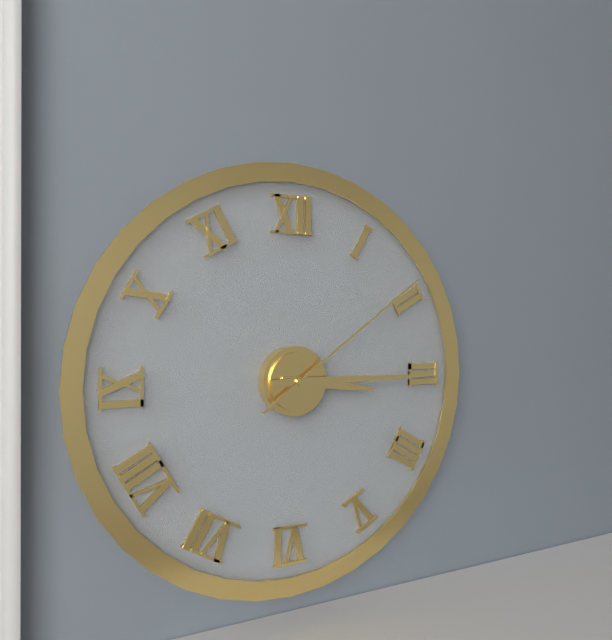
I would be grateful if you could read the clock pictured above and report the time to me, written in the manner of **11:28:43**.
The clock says **3:15:09**
